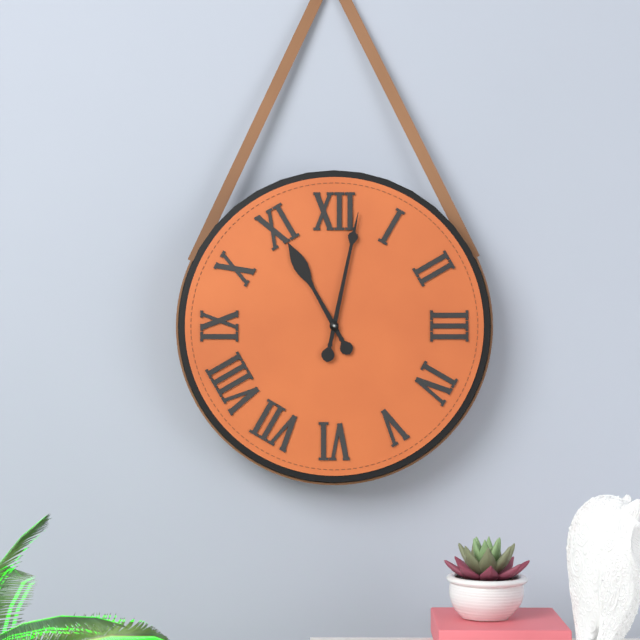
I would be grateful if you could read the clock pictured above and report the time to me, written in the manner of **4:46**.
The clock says **11:02**
